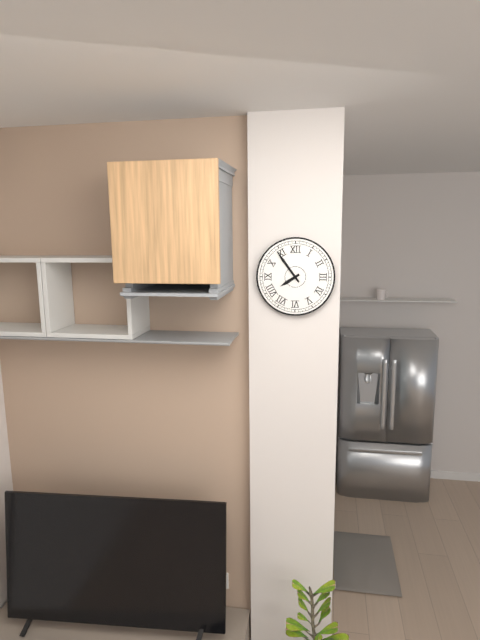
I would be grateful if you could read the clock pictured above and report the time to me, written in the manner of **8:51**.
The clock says **7:54**
